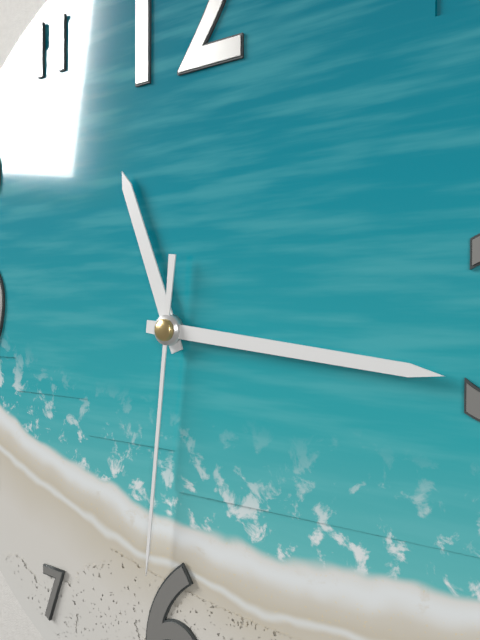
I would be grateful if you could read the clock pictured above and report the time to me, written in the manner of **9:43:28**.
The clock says **11:16:31**
